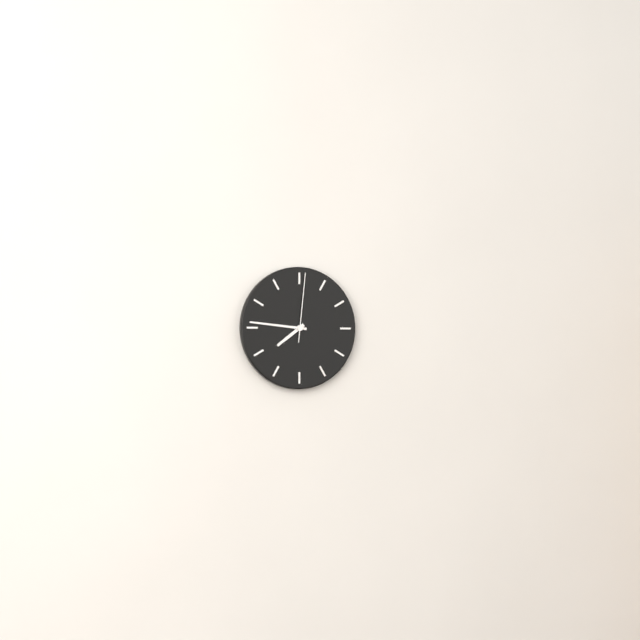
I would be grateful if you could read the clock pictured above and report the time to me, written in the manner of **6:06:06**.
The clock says **7:46:01**
